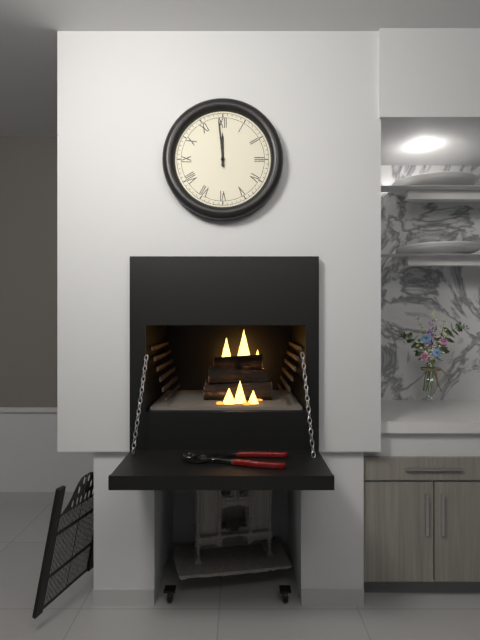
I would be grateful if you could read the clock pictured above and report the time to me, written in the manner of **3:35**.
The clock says **11:59**
